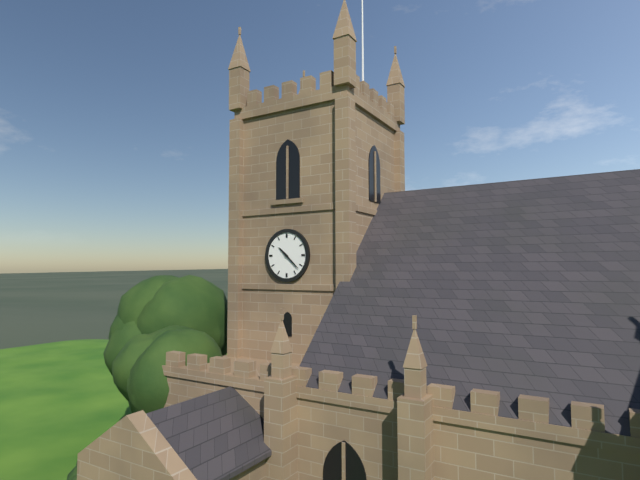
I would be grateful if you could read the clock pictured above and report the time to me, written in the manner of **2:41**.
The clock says **10:22**
